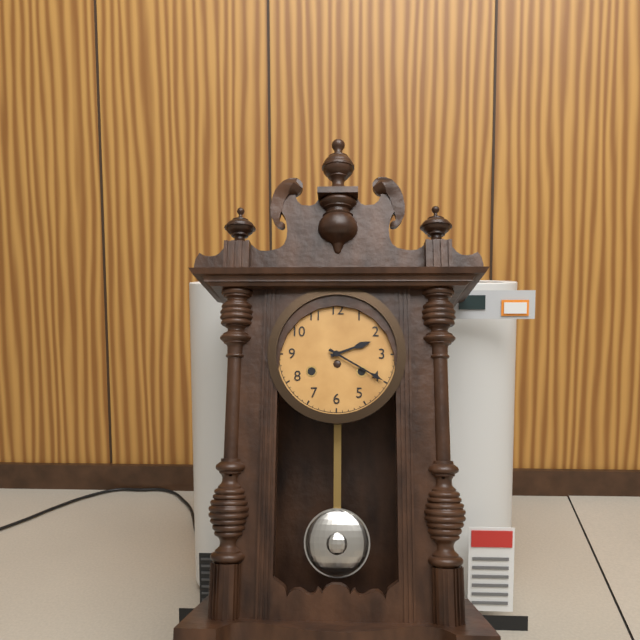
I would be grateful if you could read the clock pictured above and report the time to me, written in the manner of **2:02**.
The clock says **2:20**
